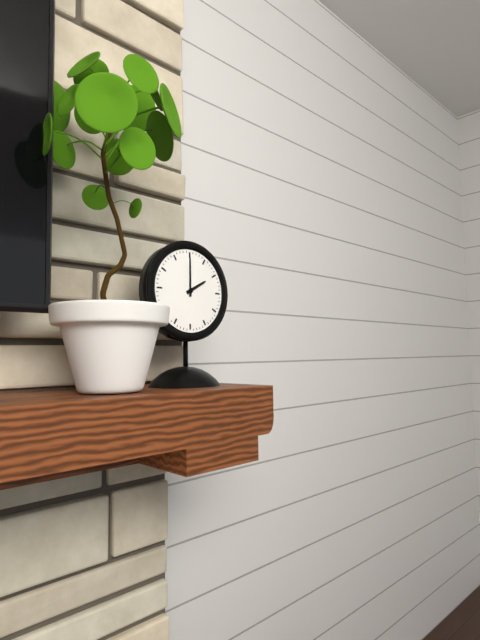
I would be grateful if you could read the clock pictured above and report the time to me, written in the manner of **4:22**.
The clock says **2:00**
